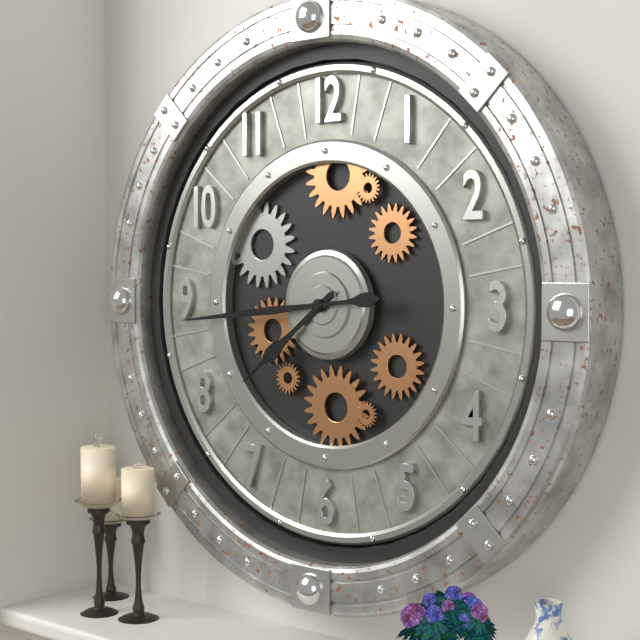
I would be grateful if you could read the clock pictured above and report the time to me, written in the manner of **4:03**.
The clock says **7:44**
